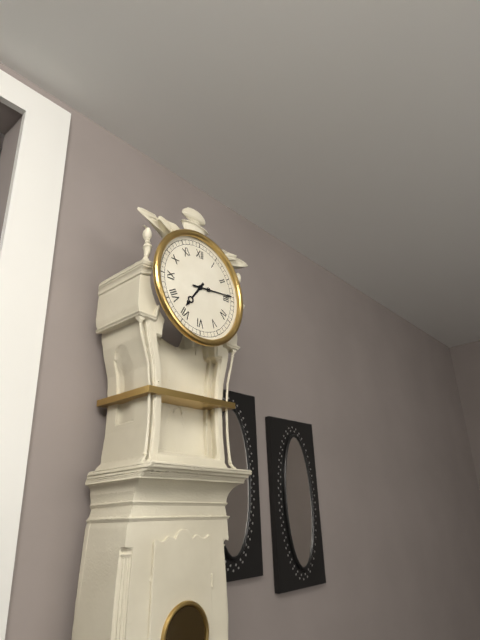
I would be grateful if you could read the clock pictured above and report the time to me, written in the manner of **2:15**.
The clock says **7:14**
